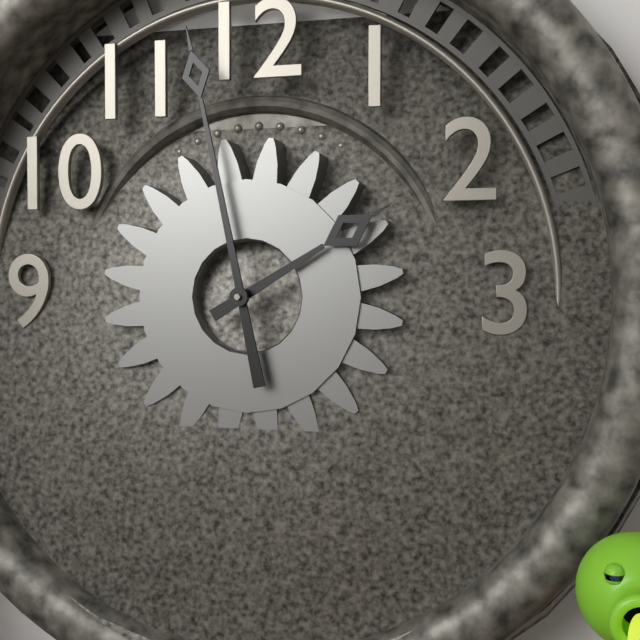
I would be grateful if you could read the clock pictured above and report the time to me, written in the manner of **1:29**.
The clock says **1:58**
